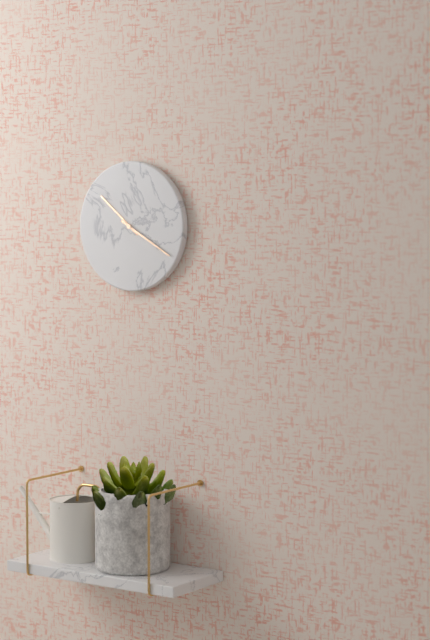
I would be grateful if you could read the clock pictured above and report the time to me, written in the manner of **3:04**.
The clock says **10:20**
